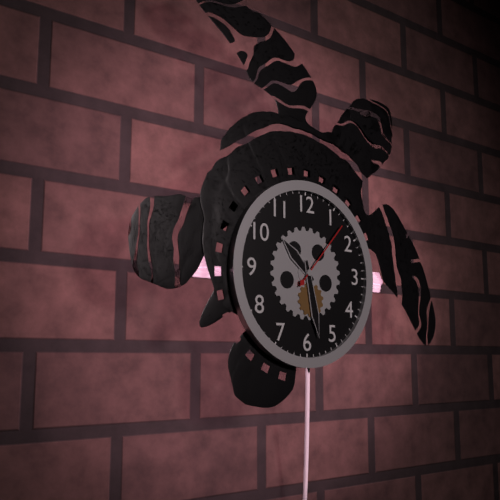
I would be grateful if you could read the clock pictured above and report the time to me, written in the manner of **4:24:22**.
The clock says **10:28:07**
